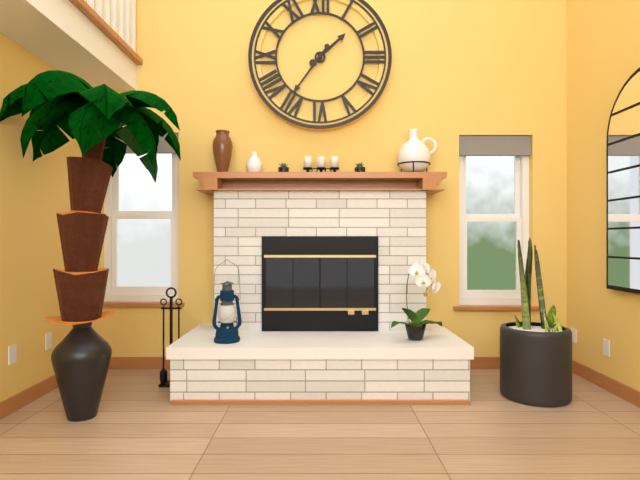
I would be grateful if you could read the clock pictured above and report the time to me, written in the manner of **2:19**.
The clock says **1:36**
